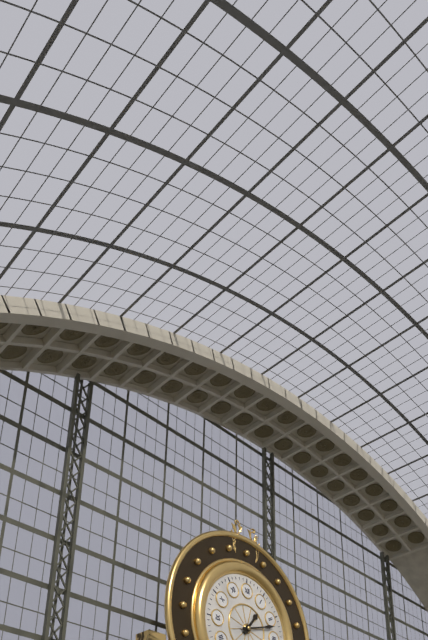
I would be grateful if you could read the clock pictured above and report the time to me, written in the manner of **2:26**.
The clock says **1:12**
